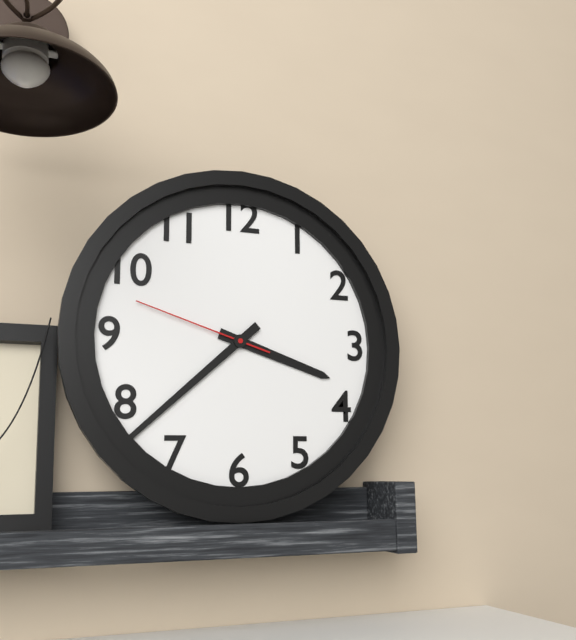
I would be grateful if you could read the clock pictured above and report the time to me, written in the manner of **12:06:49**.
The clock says **3:38:48**
